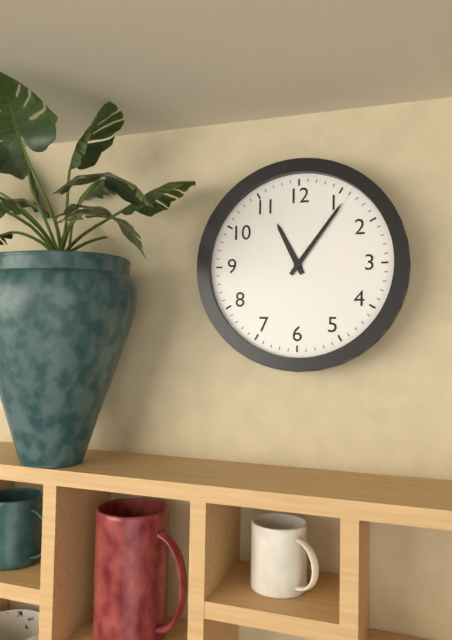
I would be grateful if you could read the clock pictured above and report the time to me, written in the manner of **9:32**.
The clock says **11:06**
